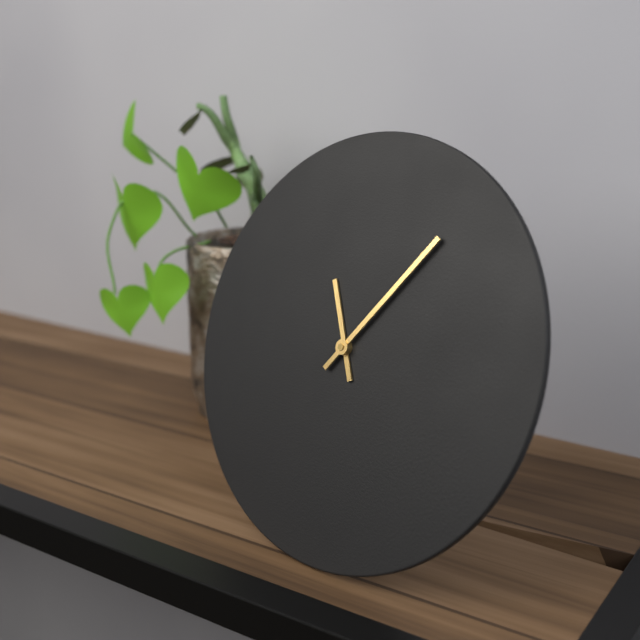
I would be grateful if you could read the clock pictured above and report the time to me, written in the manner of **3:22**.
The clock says **11:06**
